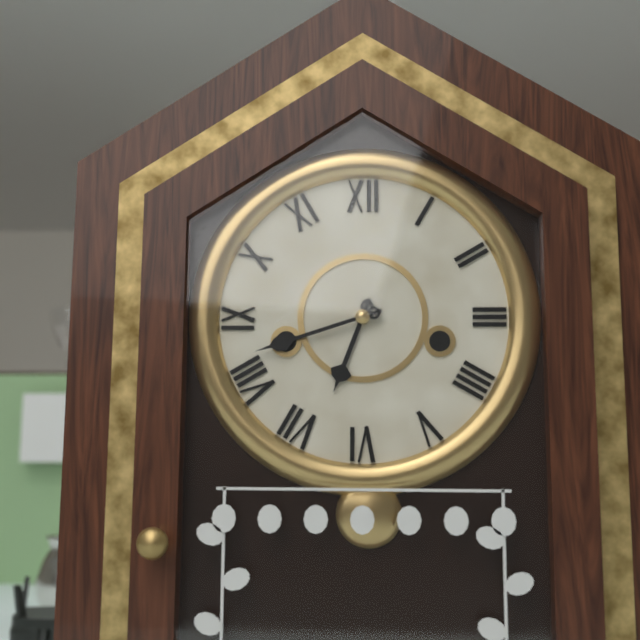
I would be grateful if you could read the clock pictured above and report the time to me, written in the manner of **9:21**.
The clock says **6:42**
